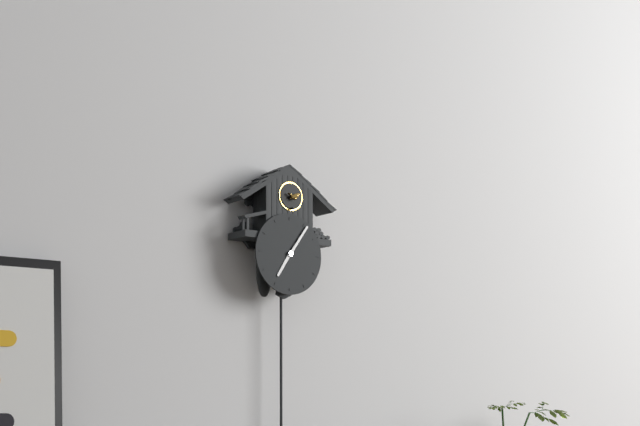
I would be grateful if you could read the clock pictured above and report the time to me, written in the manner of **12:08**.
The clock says **7:06**
